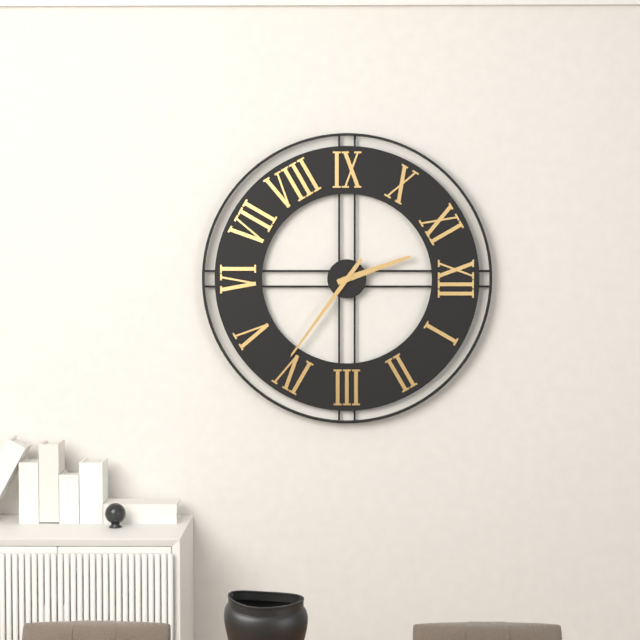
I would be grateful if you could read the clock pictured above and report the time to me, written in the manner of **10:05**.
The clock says **11:21**
